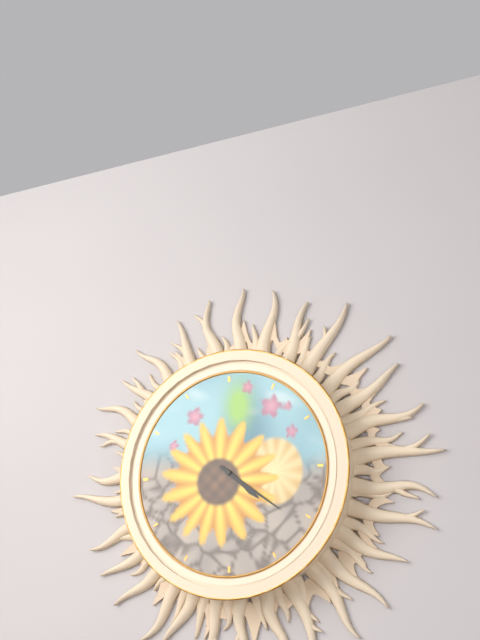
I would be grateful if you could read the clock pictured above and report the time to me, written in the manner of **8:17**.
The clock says **4:21**
